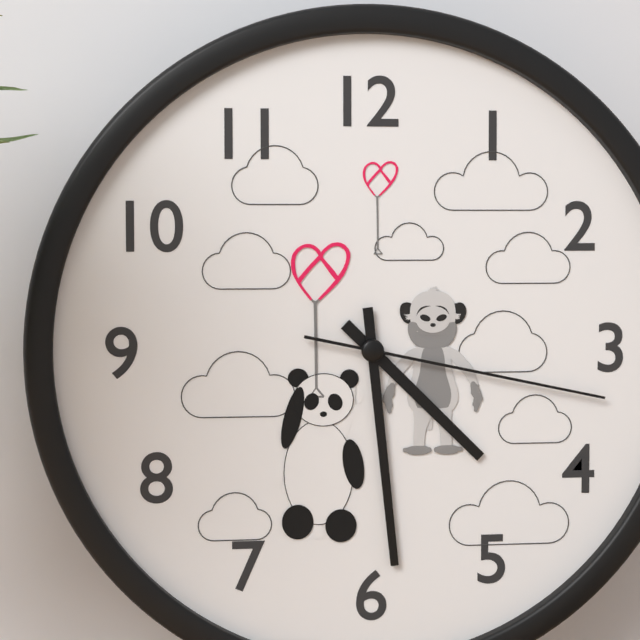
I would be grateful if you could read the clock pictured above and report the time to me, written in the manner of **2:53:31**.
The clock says **4:29:17**
